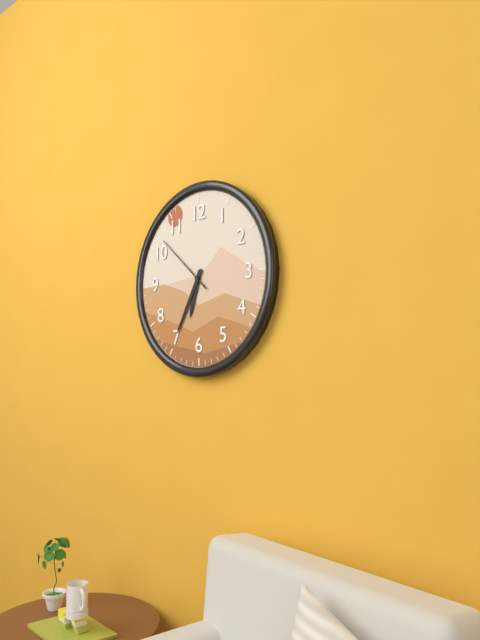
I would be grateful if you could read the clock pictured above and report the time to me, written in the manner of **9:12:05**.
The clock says **6:35:52**
